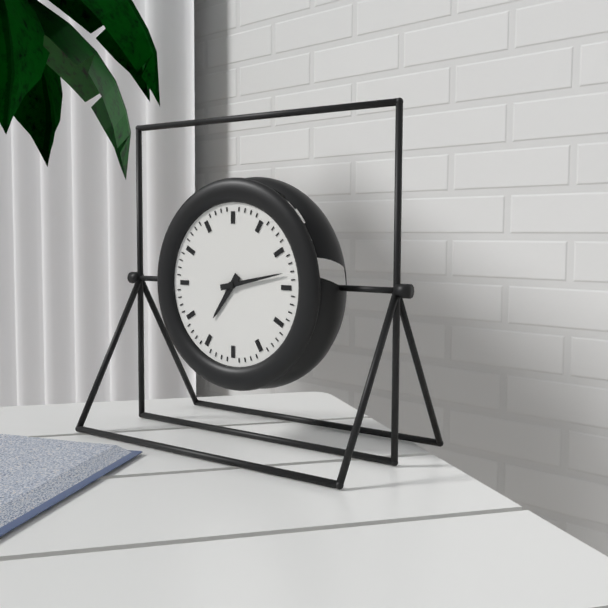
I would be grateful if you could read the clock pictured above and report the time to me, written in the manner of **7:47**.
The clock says **7:13**
